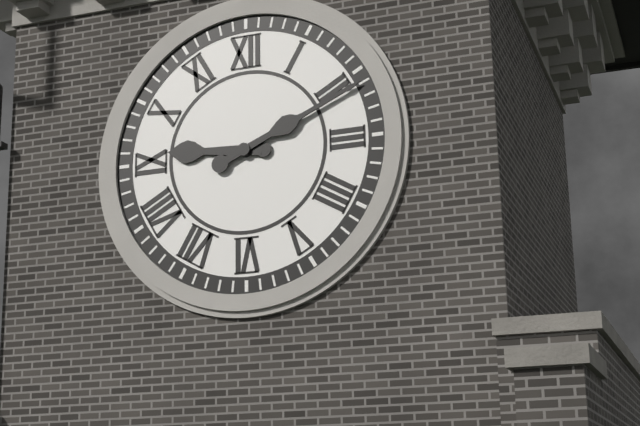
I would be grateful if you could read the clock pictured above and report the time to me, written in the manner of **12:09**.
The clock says **9:11**
